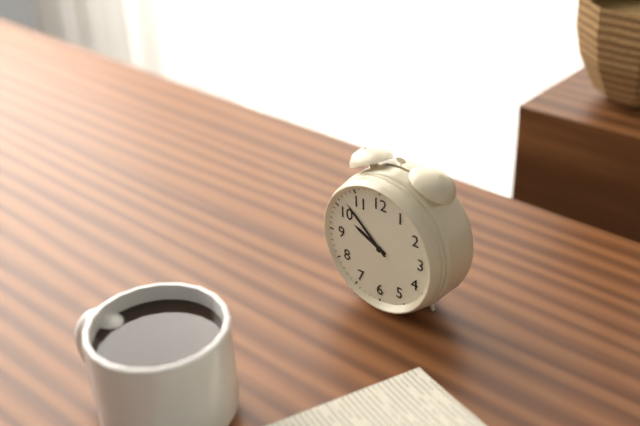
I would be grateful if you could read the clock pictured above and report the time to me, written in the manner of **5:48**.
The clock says **9:52**
